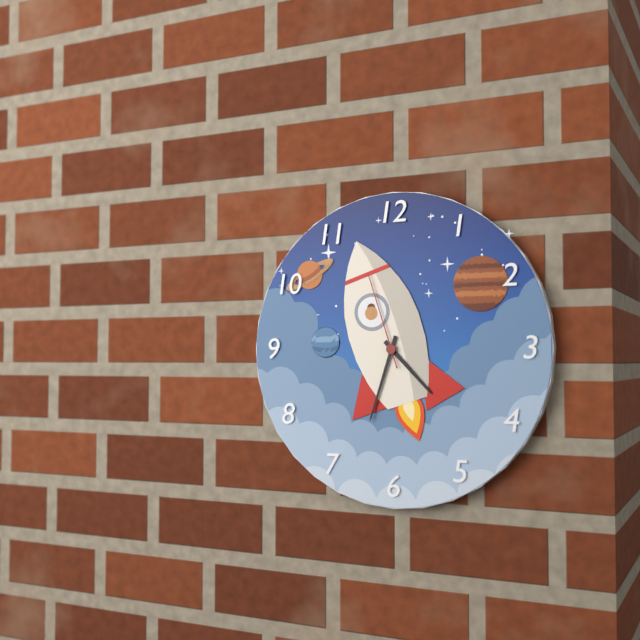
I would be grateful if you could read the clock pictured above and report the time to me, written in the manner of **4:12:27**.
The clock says **4:33:57**
